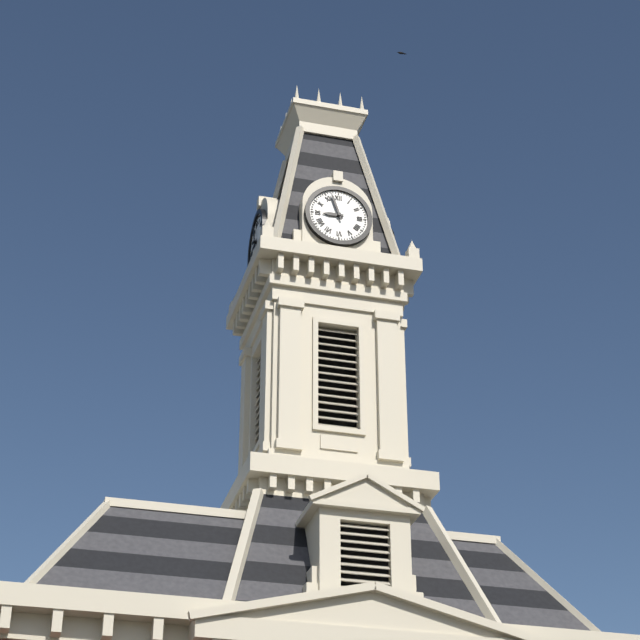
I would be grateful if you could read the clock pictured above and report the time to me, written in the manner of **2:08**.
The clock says **8:57**
